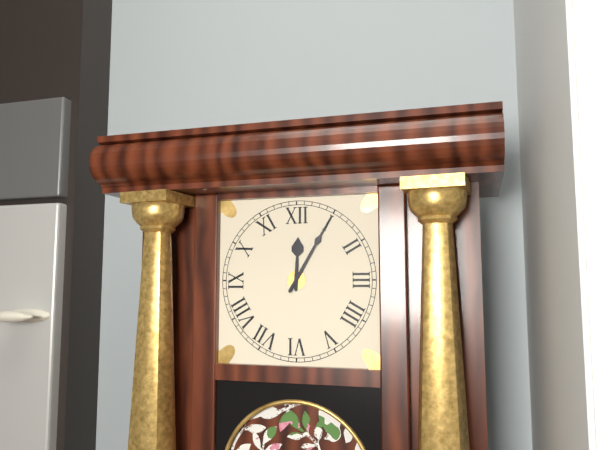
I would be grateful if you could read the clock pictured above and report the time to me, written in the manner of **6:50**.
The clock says **12:05**
